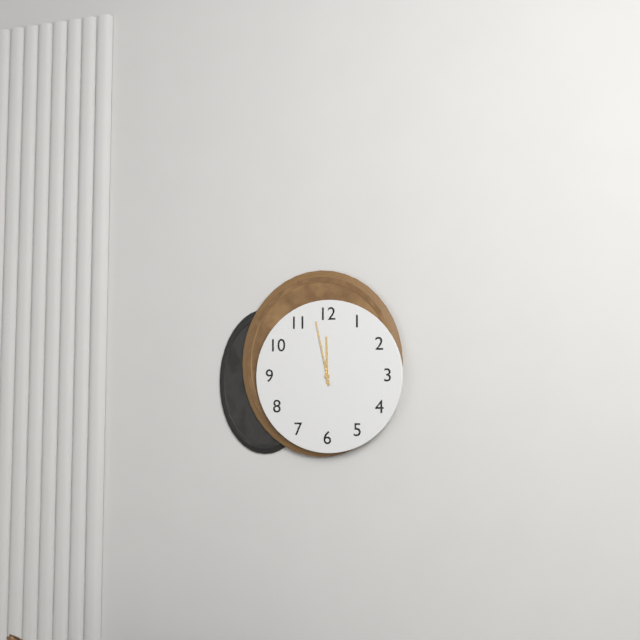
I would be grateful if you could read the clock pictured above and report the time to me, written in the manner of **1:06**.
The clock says **11:58**
